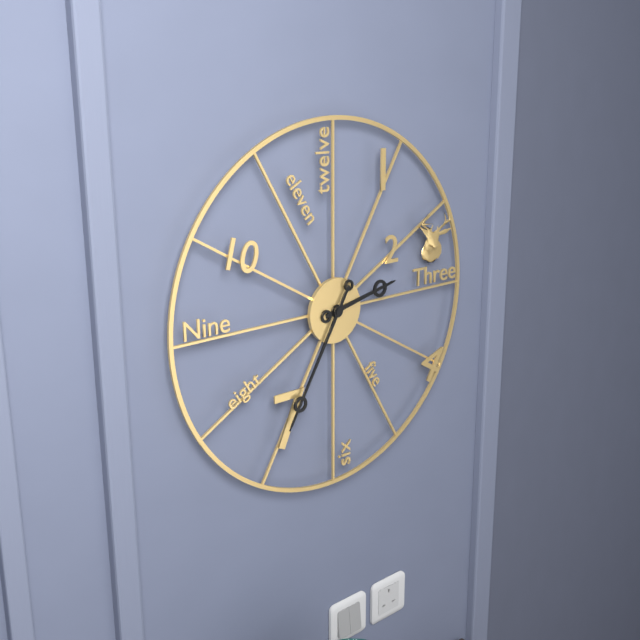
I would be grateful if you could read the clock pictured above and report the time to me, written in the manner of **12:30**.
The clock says **2:35**
